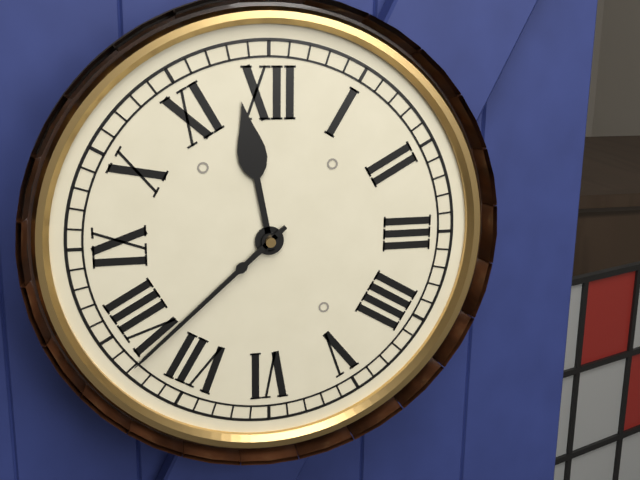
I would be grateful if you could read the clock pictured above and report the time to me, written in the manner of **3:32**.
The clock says **11:38**
